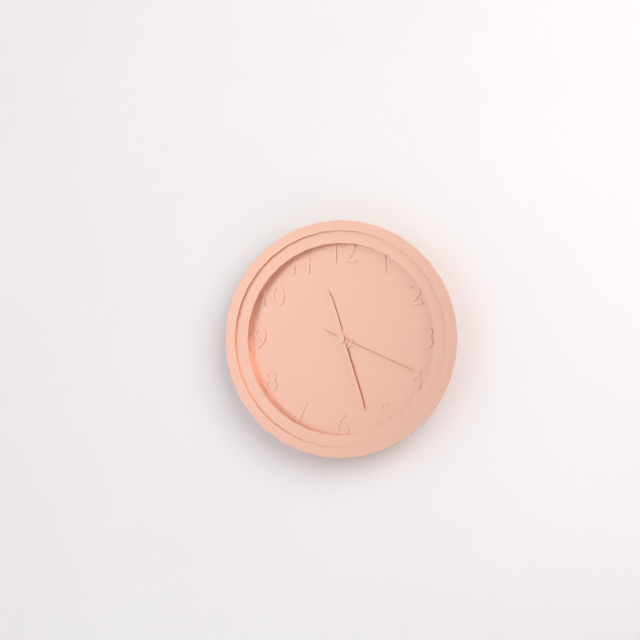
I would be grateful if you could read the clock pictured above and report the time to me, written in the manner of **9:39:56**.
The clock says **11:27:19**
